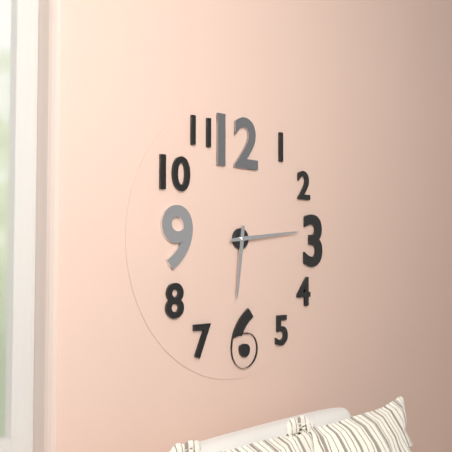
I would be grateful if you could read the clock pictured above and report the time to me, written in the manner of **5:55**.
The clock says **6:14**
